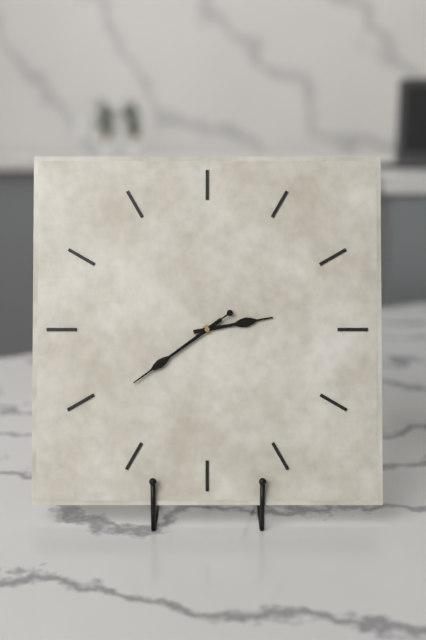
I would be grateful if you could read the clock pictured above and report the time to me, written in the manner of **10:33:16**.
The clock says **2:39:39**
